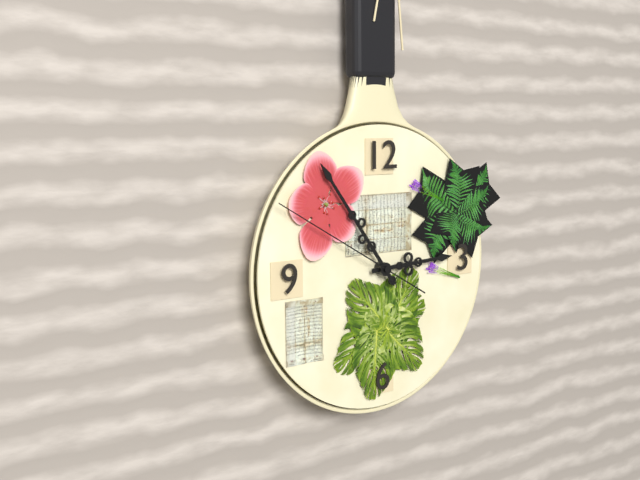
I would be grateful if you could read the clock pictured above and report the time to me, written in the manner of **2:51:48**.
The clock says **2:54:50**
